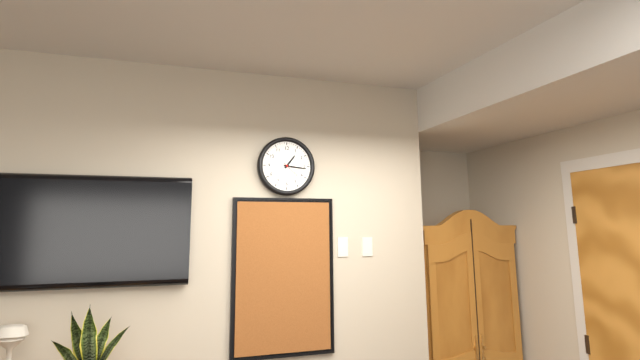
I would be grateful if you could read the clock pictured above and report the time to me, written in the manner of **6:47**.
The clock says **1:16**
